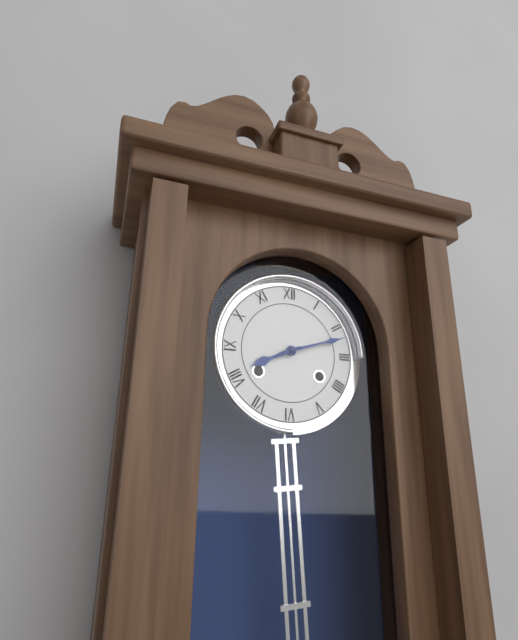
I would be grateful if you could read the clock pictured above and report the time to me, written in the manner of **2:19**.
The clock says **8:12**
